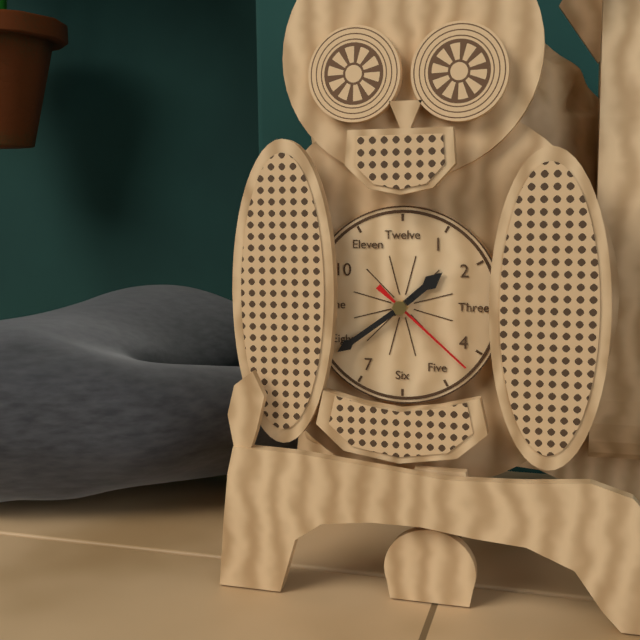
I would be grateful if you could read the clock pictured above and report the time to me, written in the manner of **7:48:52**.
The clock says **1:39:22**
